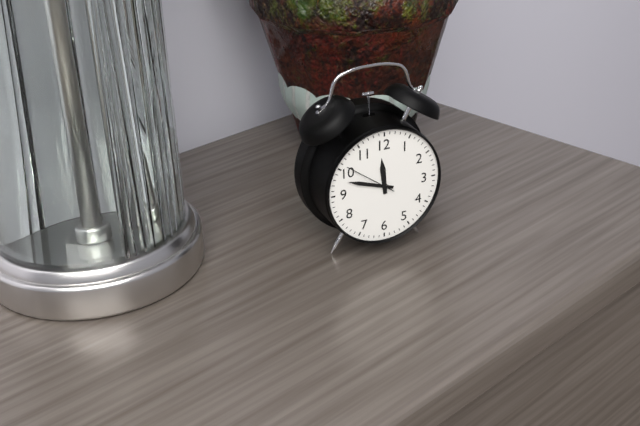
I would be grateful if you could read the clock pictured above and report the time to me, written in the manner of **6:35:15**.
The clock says **11:48:51**
